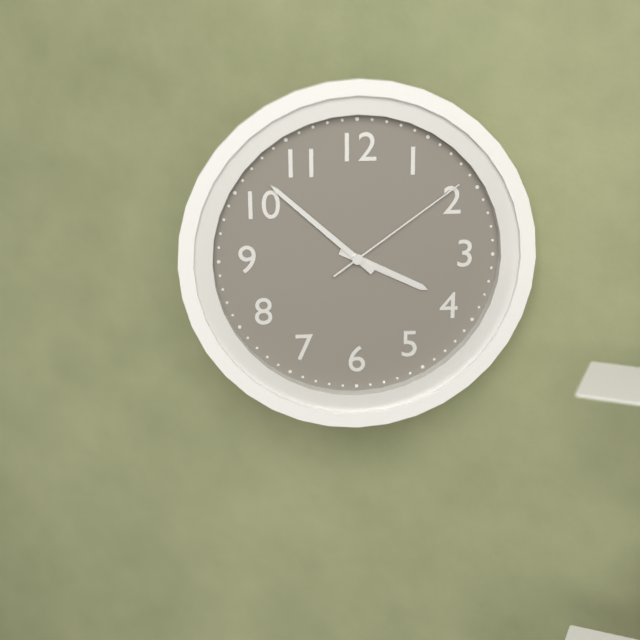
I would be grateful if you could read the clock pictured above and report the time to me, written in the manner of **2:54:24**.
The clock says **3:52:09**
